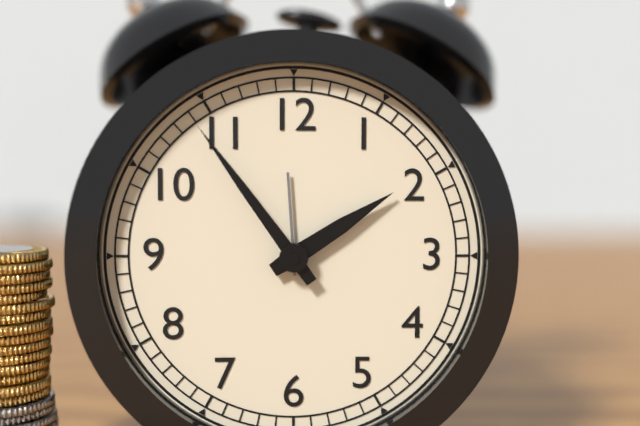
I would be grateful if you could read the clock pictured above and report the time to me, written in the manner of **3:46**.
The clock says **1:54**
